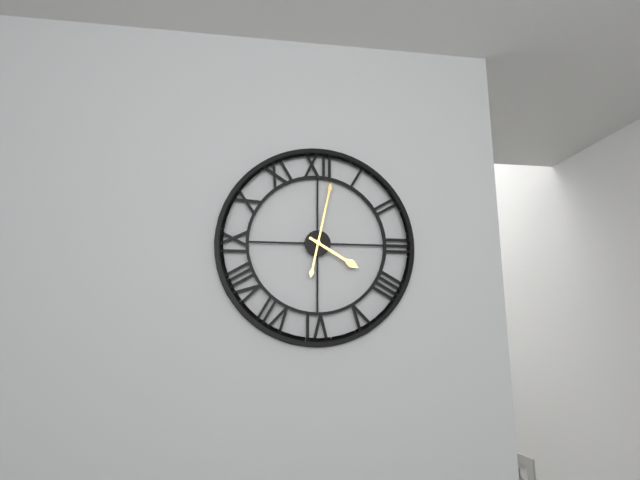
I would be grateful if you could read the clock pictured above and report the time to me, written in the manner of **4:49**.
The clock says **4:02**
